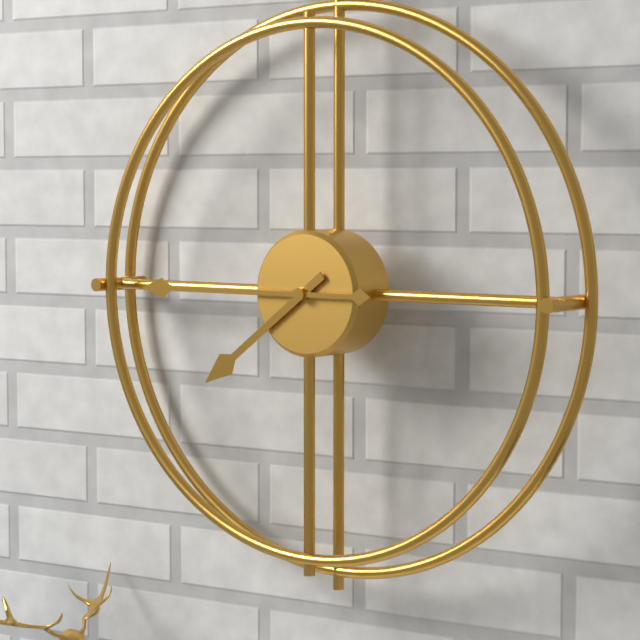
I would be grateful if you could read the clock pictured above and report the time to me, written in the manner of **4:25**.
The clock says **7:45**
